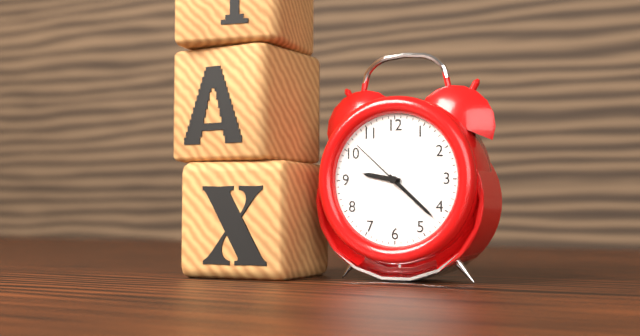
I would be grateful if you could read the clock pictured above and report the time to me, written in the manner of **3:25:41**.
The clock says **9:22:52**
